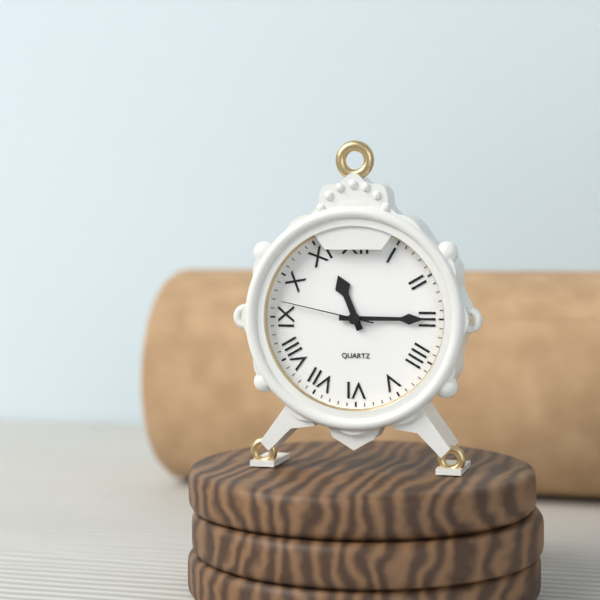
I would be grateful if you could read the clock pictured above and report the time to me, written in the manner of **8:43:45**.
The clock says **11:15:47**
